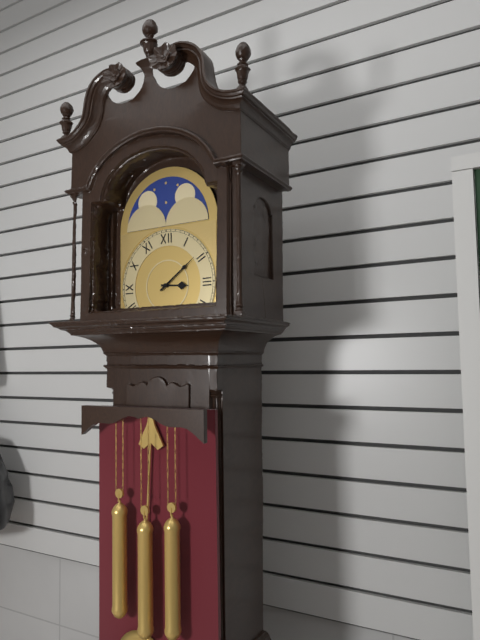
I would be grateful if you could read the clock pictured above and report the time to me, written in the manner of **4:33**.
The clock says **3:09**
